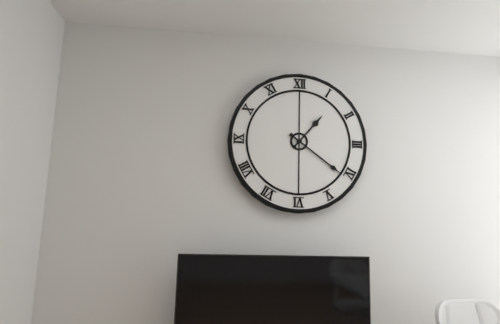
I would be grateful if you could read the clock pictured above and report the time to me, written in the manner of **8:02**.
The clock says **1:21**
